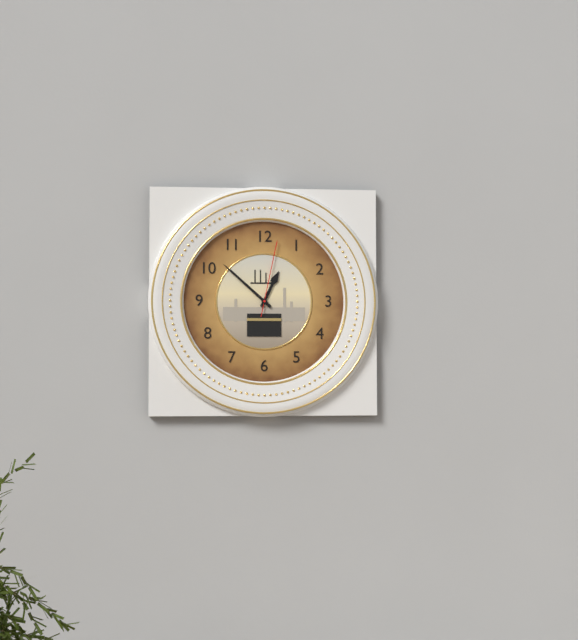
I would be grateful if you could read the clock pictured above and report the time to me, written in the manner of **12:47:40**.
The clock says **12:52:02**
